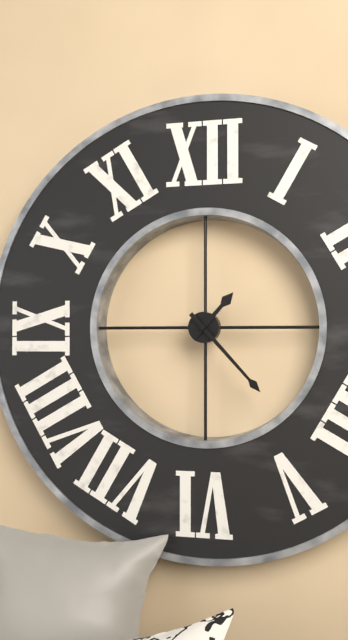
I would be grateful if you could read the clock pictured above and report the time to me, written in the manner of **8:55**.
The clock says **1:23**
